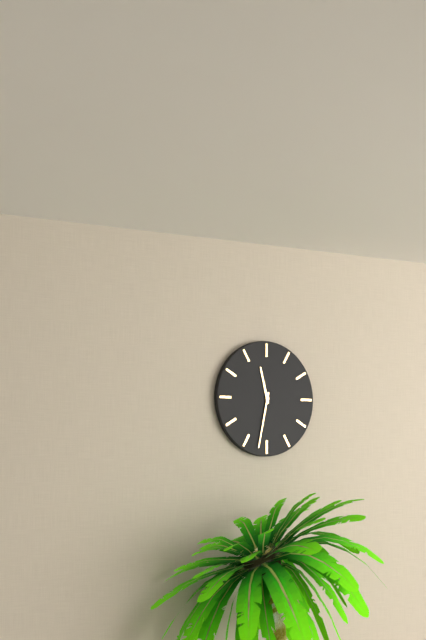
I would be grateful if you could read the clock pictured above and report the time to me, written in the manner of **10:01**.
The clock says **11:32**
